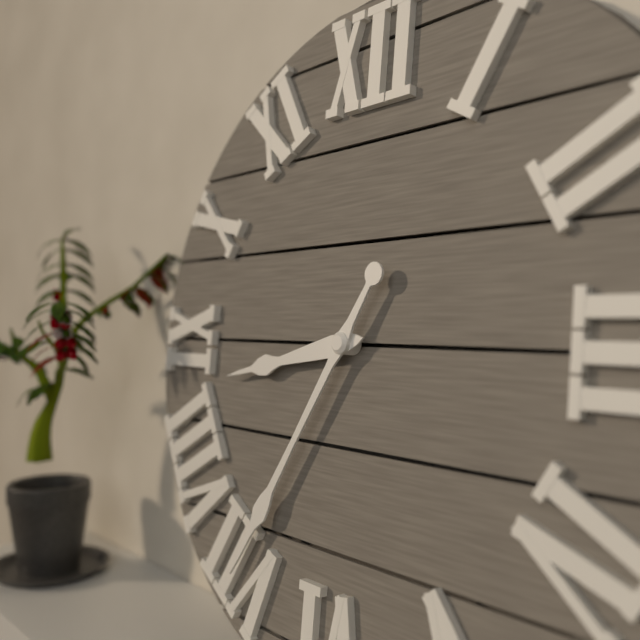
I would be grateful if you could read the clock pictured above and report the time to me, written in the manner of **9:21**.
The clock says **8:35**
